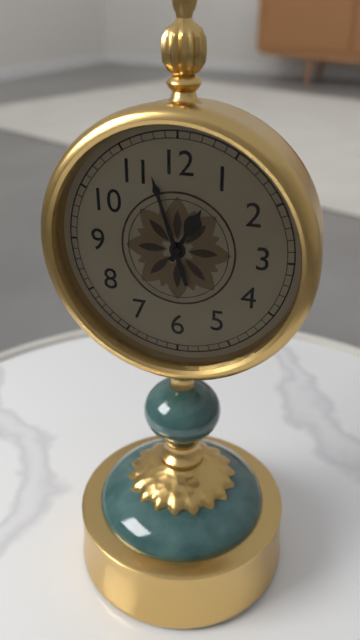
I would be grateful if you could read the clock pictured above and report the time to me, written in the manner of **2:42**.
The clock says **12:57**
